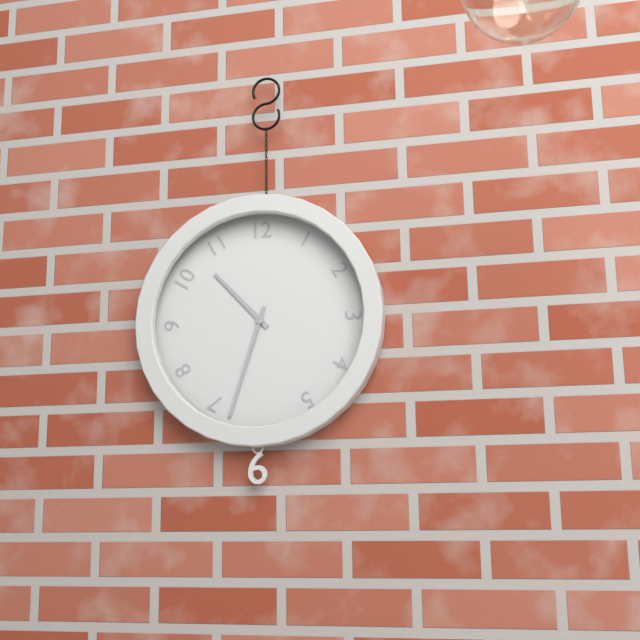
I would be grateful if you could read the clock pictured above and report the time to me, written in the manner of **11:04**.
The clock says **10:33**
